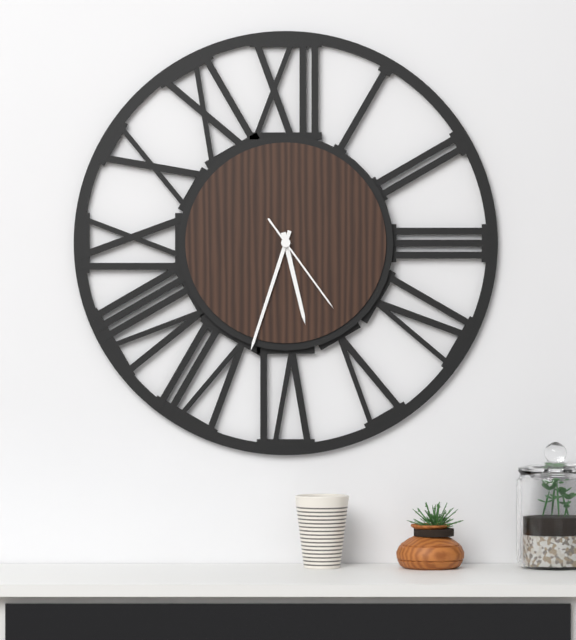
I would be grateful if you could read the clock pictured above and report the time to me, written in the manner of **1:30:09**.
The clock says **5:33:24**
